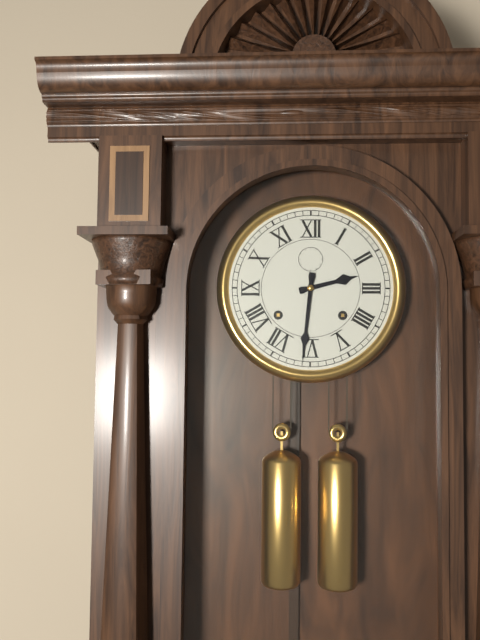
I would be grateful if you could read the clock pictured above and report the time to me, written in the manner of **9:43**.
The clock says **2:31**
